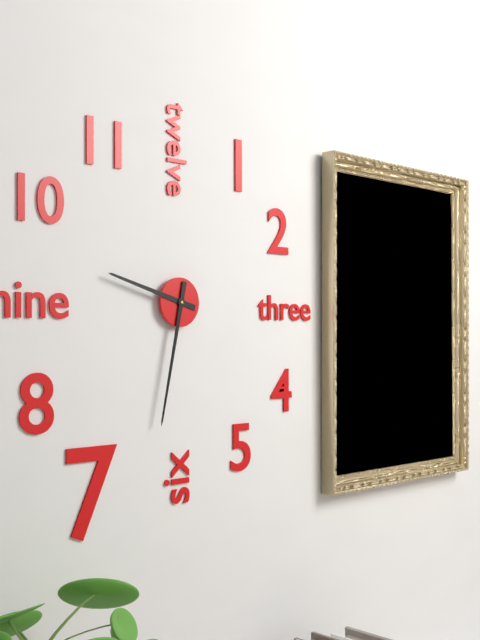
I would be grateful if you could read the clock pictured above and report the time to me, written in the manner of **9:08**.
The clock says **9:32**
